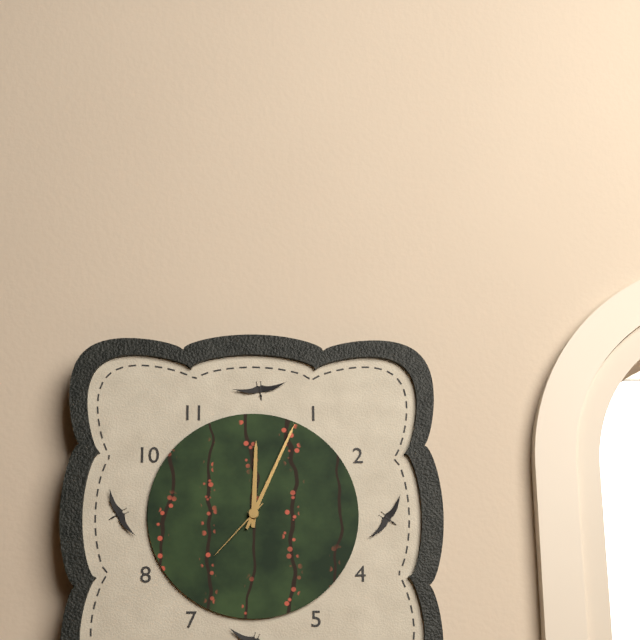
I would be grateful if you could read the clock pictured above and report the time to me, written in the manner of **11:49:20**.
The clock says **12:04:37**
